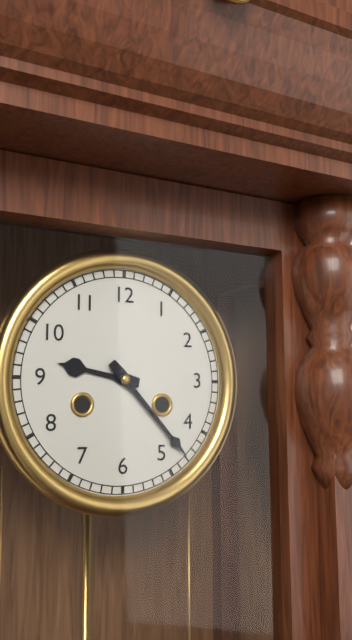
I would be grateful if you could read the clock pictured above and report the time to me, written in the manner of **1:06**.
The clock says **9:23**
